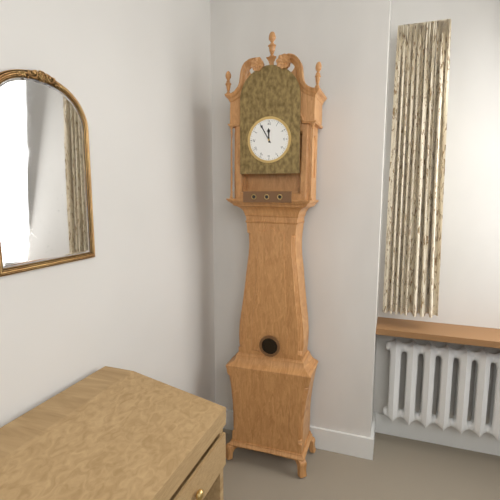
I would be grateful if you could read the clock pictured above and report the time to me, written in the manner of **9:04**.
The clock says **11:55**
